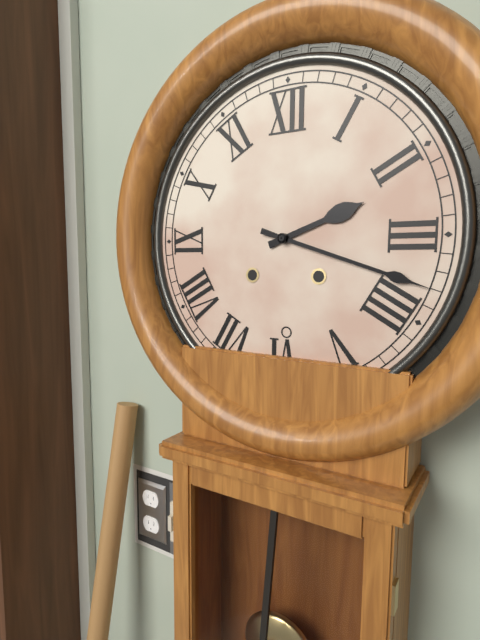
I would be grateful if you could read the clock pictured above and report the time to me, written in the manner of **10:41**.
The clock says **2:18**
